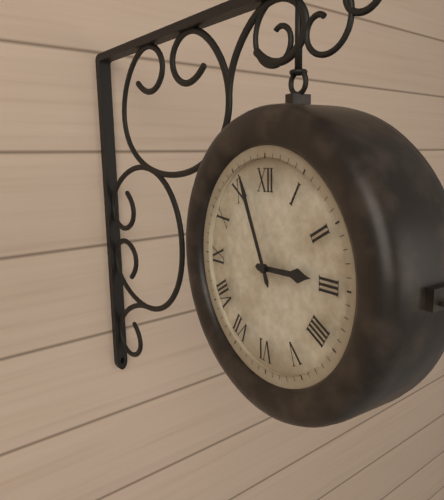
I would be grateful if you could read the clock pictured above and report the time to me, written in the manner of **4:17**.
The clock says **2:56**
